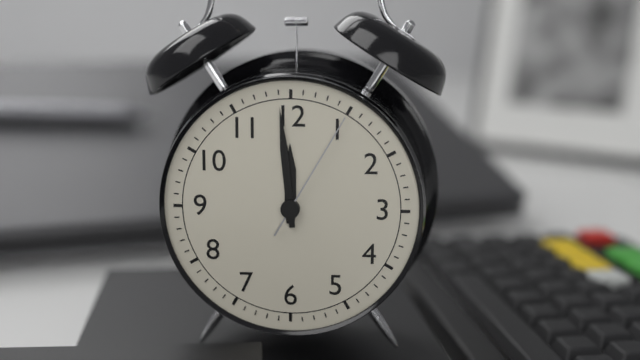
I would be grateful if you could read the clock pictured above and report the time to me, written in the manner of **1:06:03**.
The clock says **11:59:05**
